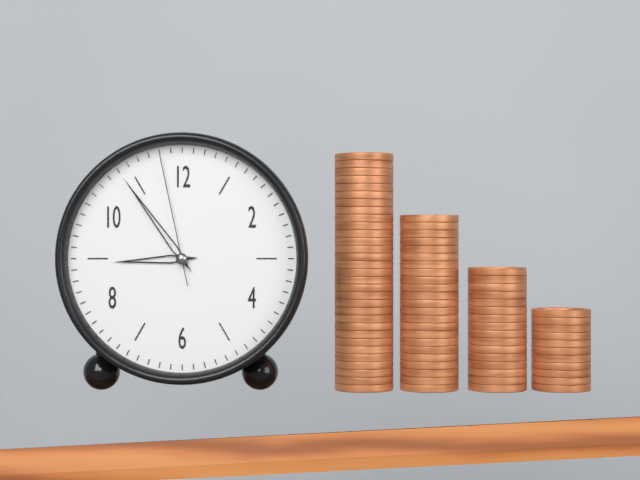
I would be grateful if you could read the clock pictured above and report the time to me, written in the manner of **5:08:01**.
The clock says **8:54:58**
